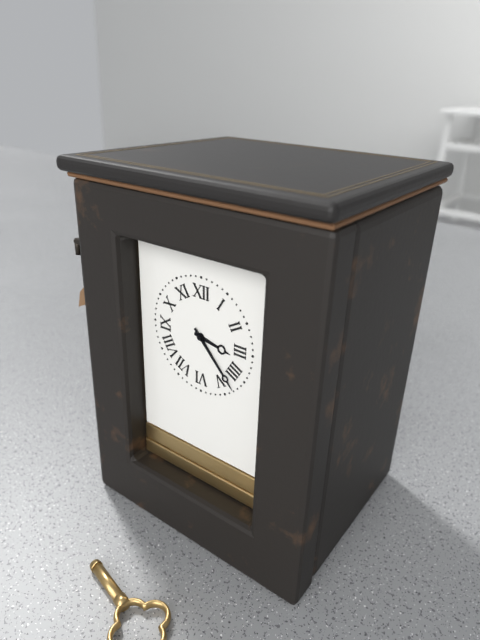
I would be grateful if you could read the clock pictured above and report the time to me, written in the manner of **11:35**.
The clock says **3:23**
